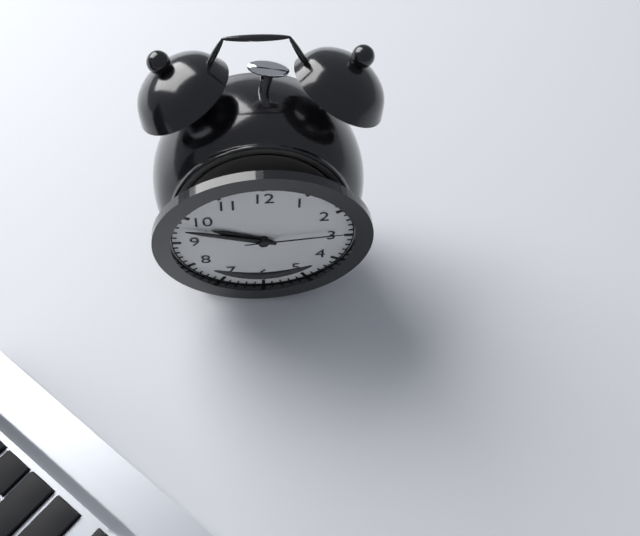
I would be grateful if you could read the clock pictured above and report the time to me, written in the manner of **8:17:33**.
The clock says **9:48:14**
